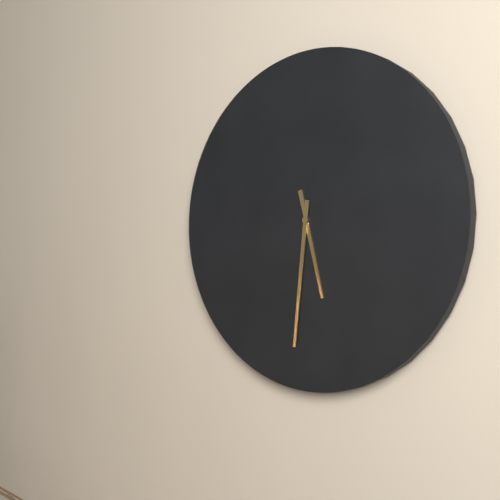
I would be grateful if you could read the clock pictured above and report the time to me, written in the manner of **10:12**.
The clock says **5:31**
